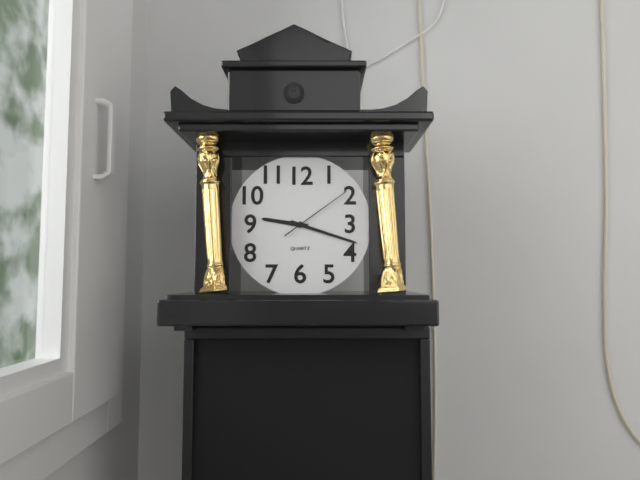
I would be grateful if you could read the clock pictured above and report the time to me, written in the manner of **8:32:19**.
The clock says **9:18:09**
